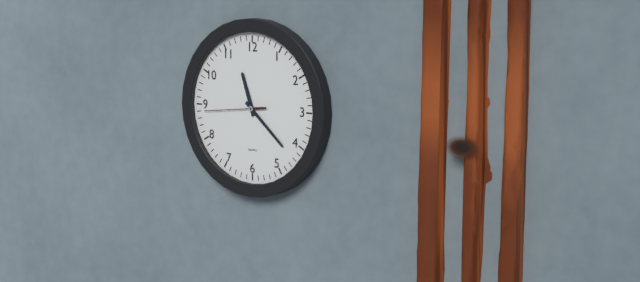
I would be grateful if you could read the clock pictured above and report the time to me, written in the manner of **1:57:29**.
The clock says **11:22:44**
